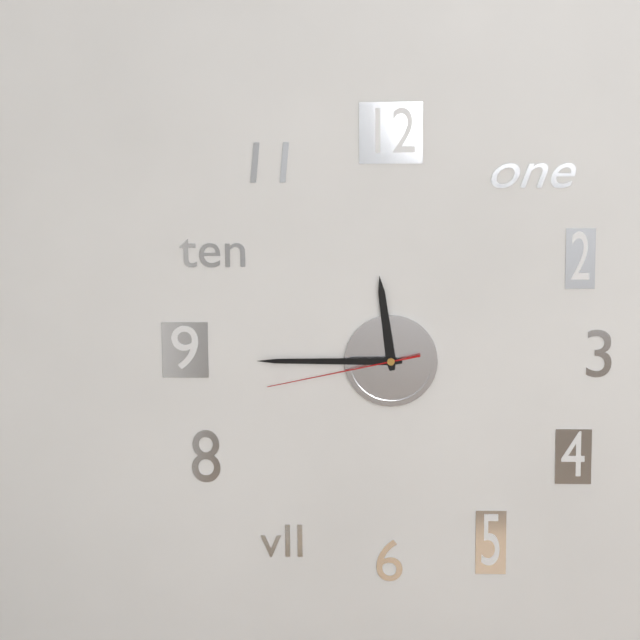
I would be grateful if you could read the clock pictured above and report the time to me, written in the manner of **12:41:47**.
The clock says **11:45:43**
